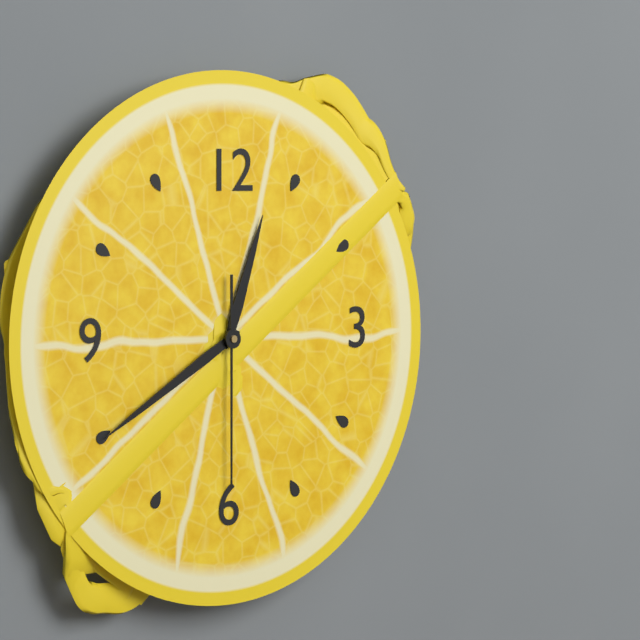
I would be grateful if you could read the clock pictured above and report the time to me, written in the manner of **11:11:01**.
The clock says **12:40:30**
